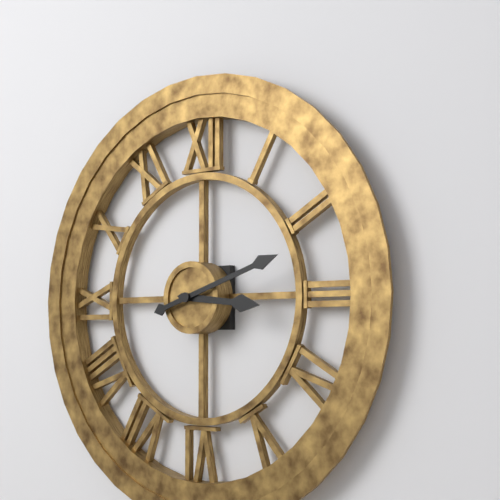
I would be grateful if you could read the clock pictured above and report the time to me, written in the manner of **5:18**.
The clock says **3:12**
